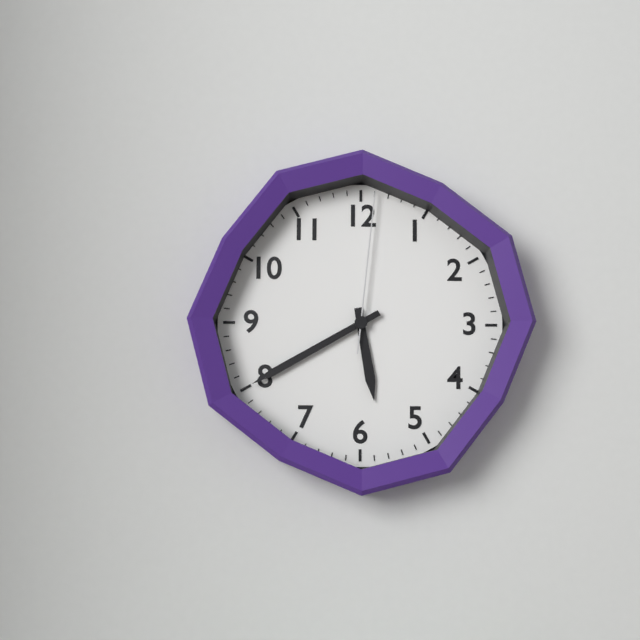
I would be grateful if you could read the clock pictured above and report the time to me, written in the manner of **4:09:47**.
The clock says **5:40:01**
